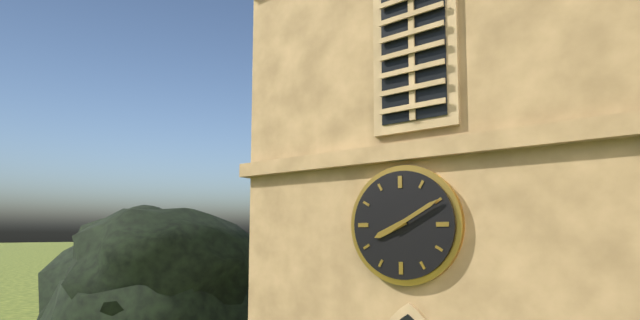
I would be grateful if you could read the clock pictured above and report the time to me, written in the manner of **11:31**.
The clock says **8:10**
